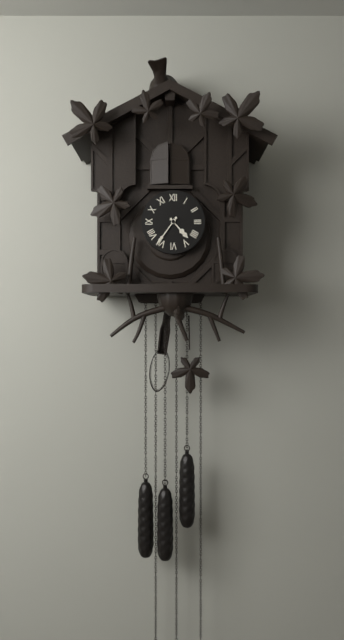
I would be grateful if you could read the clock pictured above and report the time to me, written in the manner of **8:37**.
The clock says **4:36**
